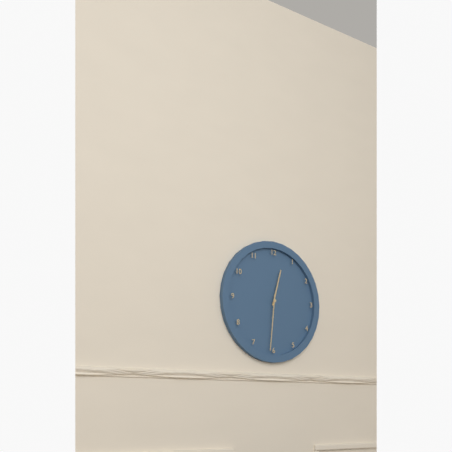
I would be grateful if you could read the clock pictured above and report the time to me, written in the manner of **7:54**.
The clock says **12:31**
